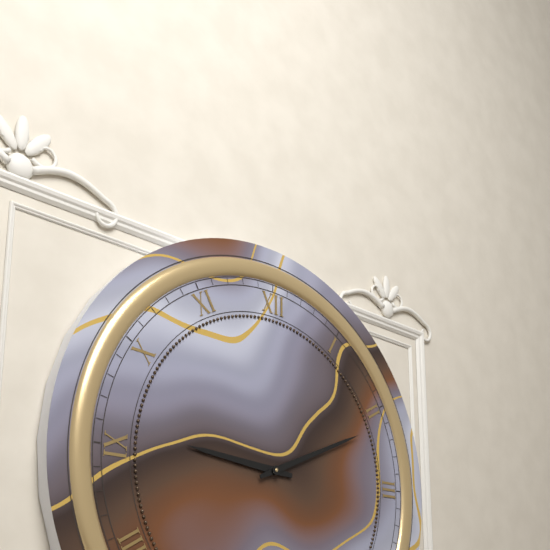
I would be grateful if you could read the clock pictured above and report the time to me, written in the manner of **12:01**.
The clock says **9:11**
